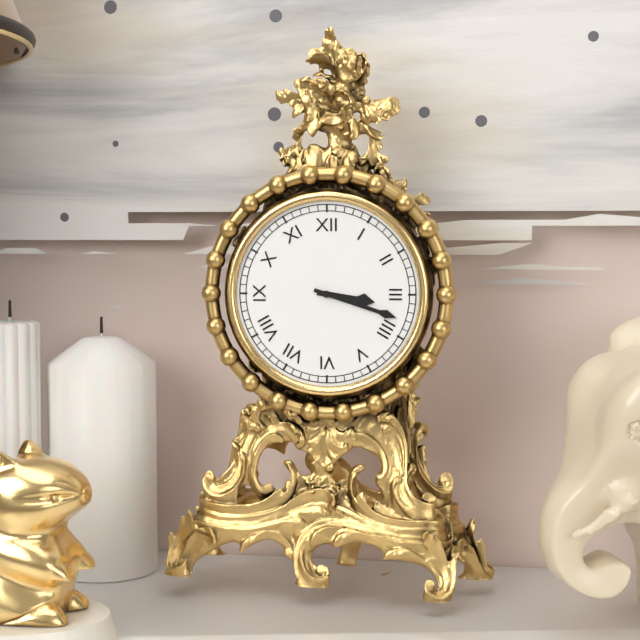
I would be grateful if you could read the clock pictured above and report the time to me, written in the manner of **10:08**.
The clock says **3:18**
